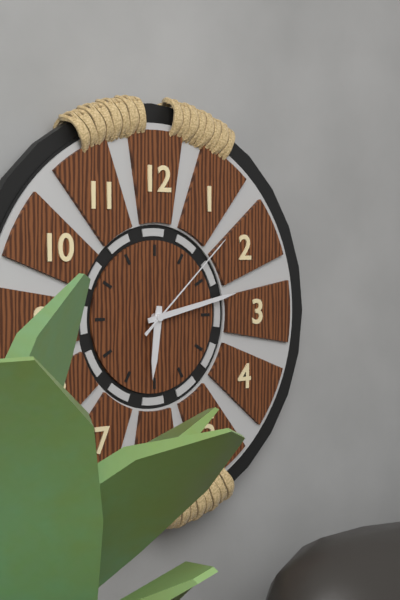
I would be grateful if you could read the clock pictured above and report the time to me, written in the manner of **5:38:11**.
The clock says **6:13:08**
